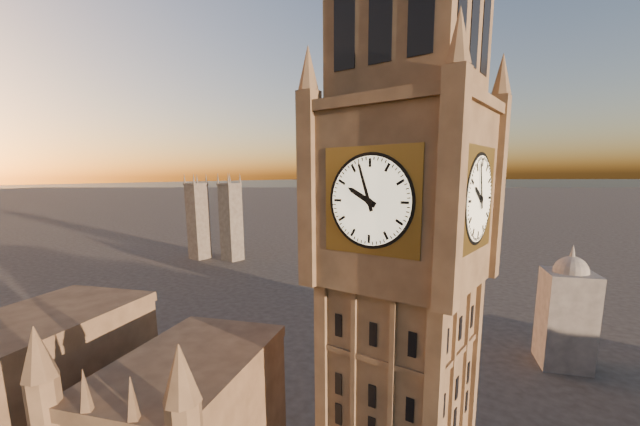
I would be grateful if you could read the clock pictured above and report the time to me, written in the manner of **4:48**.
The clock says **9:57**
